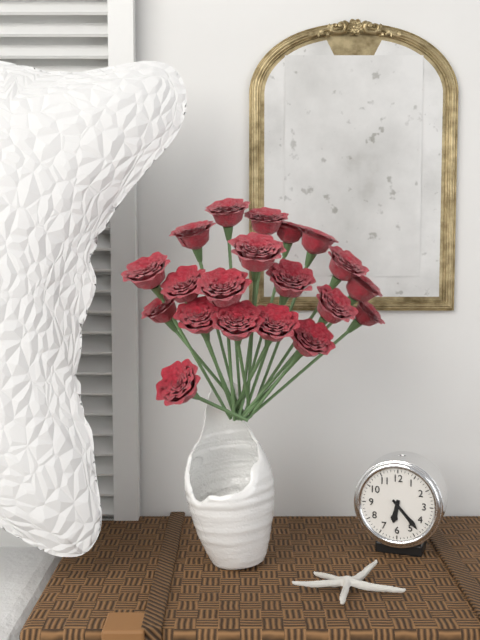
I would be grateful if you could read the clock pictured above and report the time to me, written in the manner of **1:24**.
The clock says **6:23**
